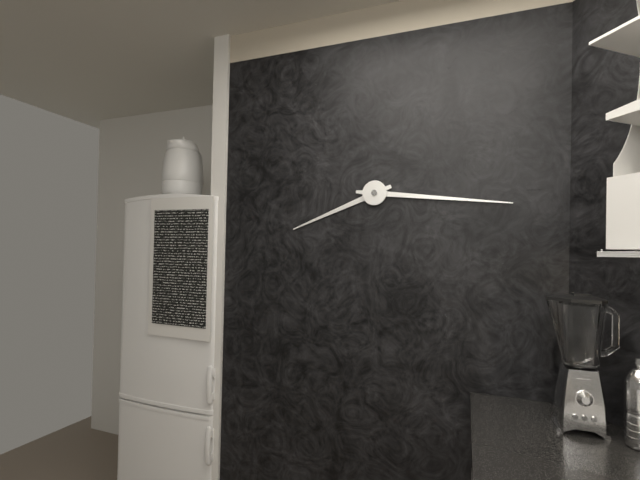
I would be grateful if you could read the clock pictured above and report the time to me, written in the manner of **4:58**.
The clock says **8:16**
